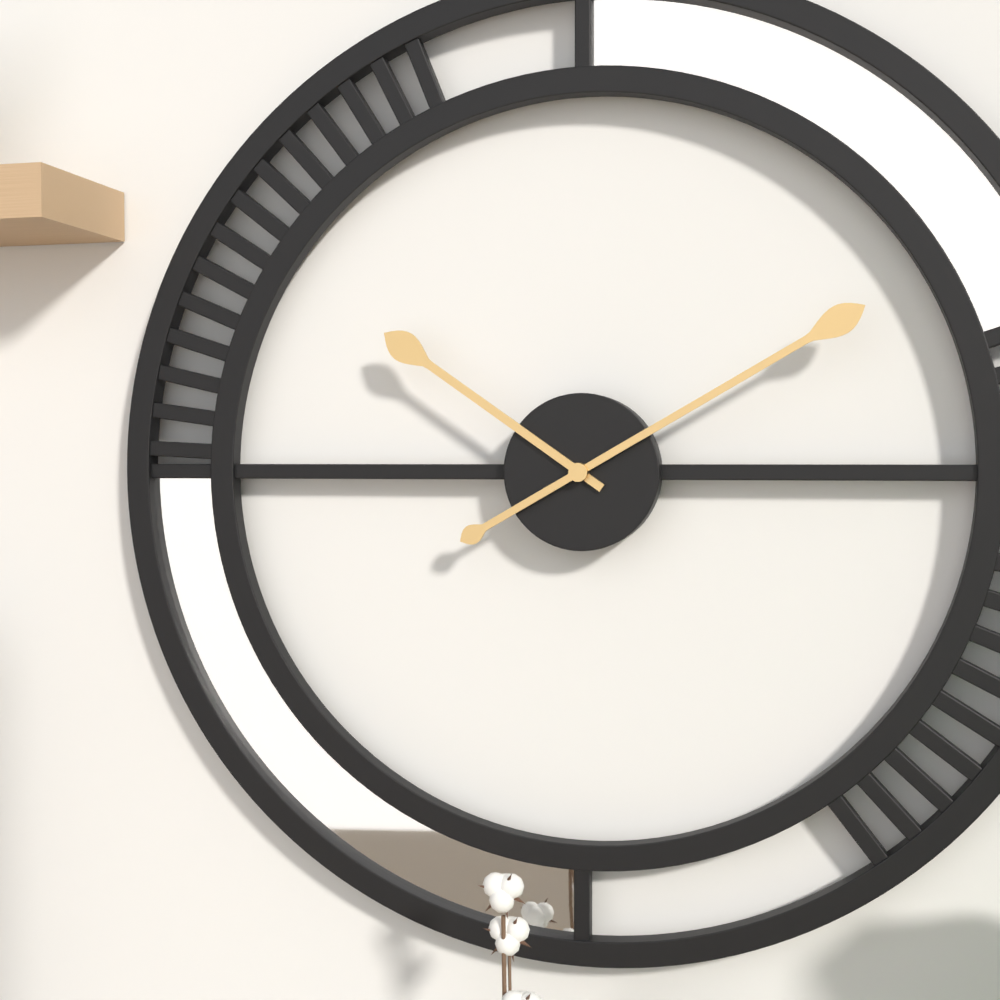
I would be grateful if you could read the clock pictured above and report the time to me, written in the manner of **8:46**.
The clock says **10:10**
